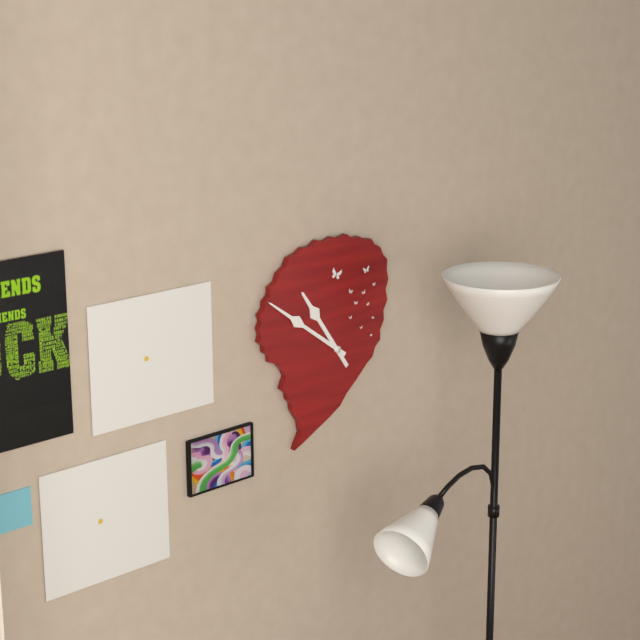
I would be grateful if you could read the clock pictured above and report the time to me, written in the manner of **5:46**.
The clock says **10:51**
